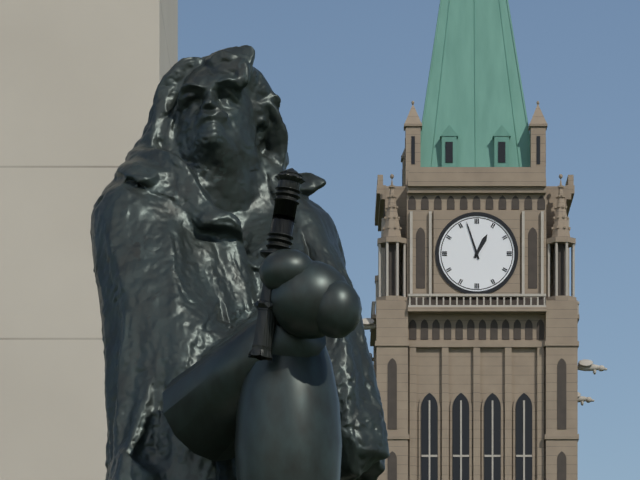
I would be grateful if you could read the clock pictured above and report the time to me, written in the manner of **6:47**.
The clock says **12:57**
